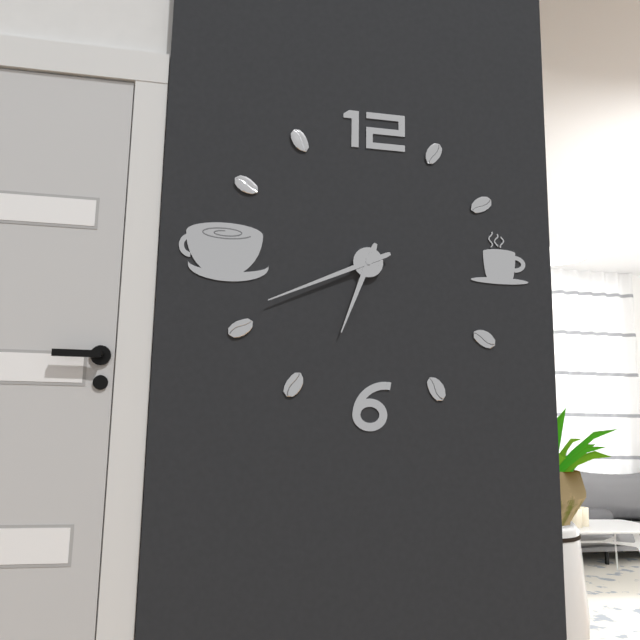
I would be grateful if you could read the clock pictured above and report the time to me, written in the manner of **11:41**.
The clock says **6:41**
